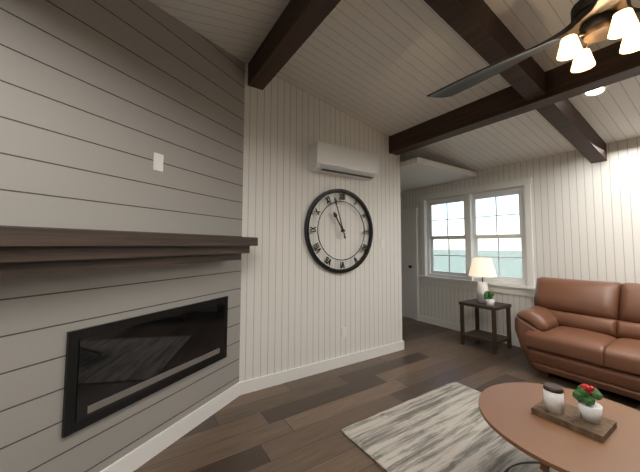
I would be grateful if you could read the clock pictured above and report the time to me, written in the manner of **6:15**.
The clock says **10:57**
